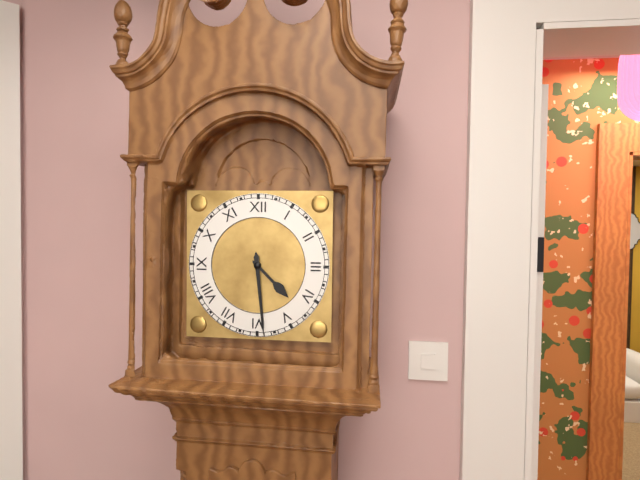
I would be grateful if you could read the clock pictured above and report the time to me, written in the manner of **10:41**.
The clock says **4:29**
